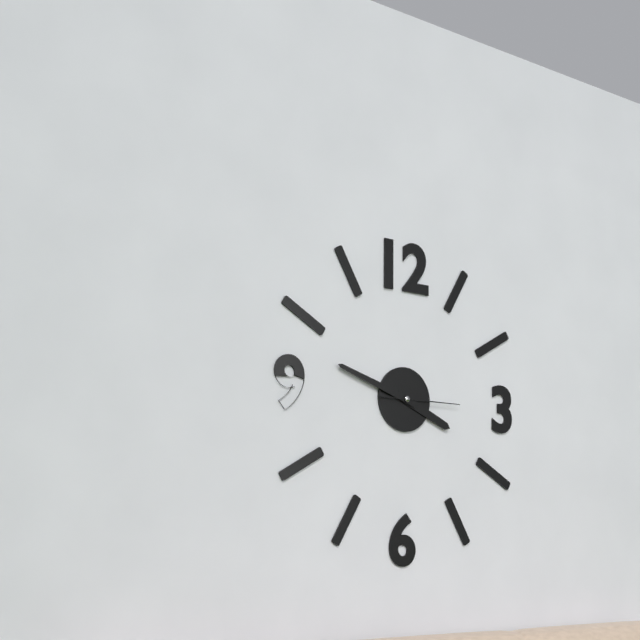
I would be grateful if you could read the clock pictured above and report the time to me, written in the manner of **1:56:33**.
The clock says **3:48:15**
